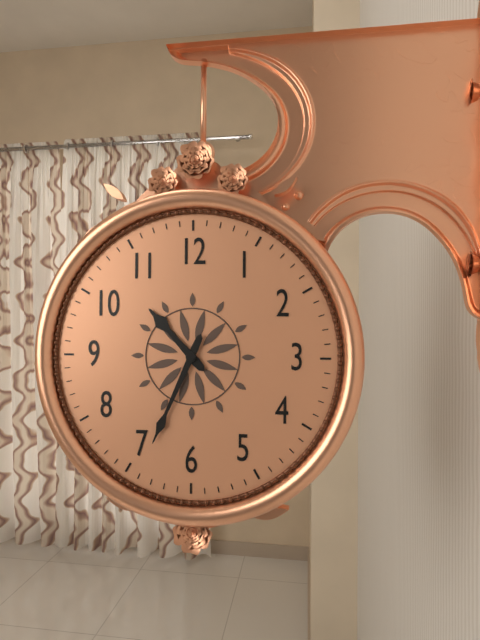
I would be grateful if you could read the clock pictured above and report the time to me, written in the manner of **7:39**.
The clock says **10:34**
